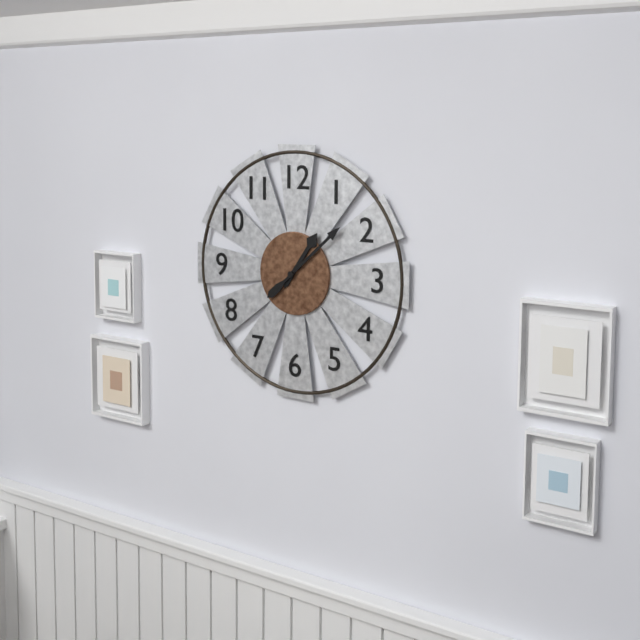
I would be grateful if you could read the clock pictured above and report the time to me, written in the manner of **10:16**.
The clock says **1:08**
